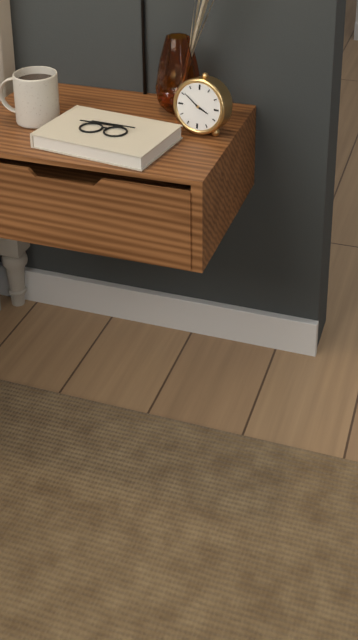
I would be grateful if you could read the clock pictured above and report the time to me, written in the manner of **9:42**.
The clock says **3:51**
